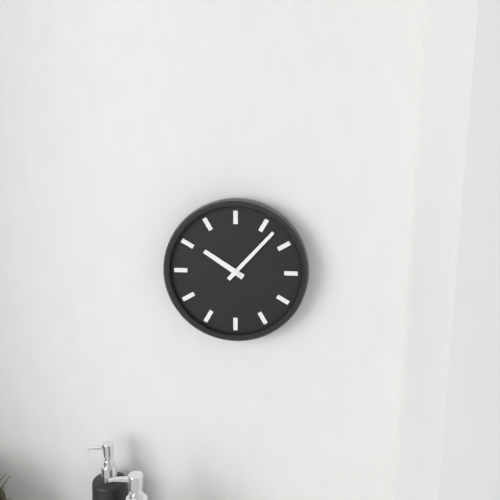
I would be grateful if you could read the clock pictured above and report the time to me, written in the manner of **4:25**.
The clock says **10:07**
